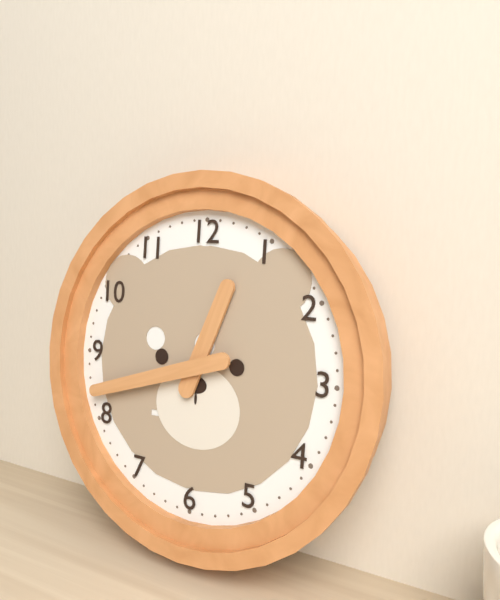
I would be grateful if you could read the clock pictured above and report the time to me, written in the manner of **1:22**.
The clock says **12:42**
